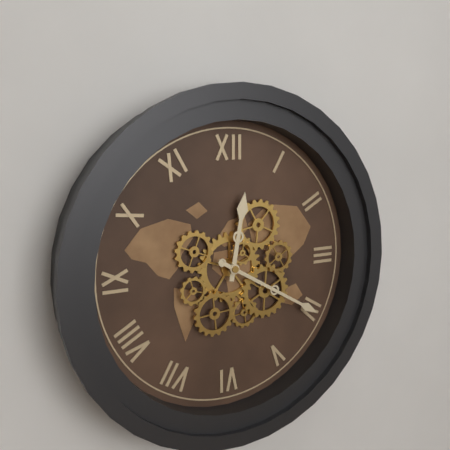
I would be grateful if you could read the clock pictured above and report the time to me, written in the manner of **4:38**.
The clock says **12:20**
